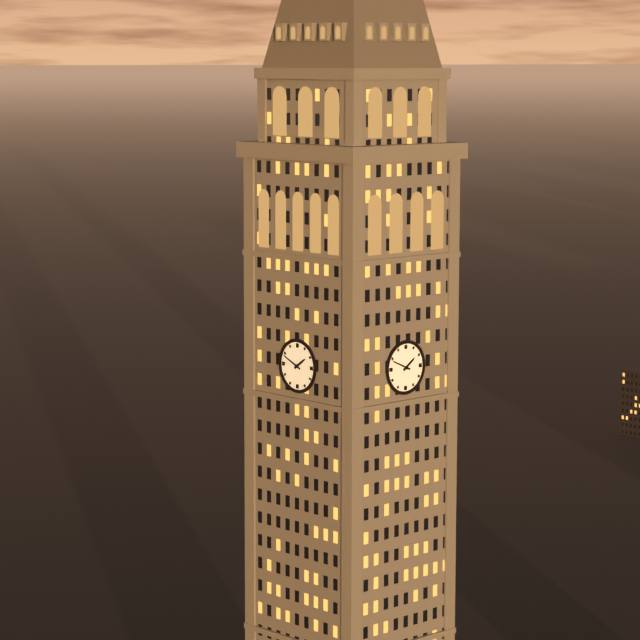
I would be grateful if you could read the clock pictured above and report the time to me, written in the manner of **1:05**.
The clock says **1:49**
